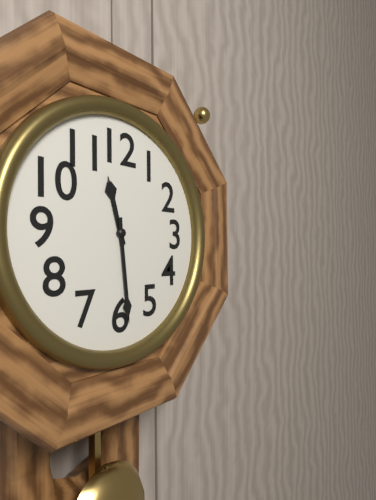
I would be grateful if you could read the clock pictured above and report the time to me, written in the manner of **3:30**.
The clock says **11:29**
